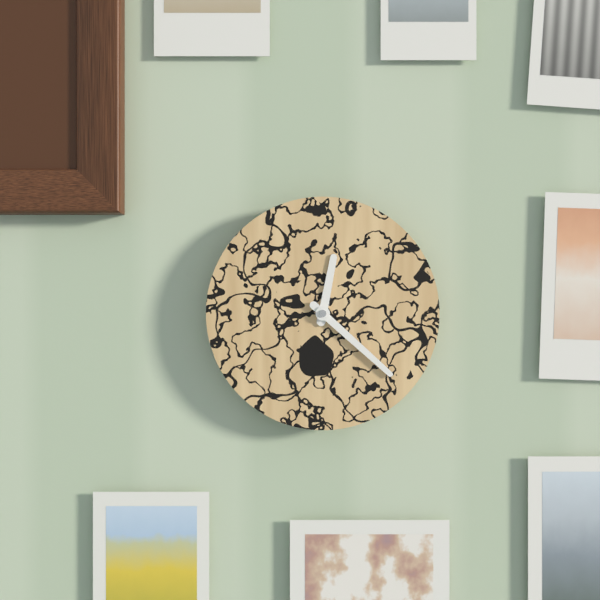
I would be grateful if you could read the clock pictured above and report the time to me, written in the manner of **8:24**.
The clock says **12:22**
